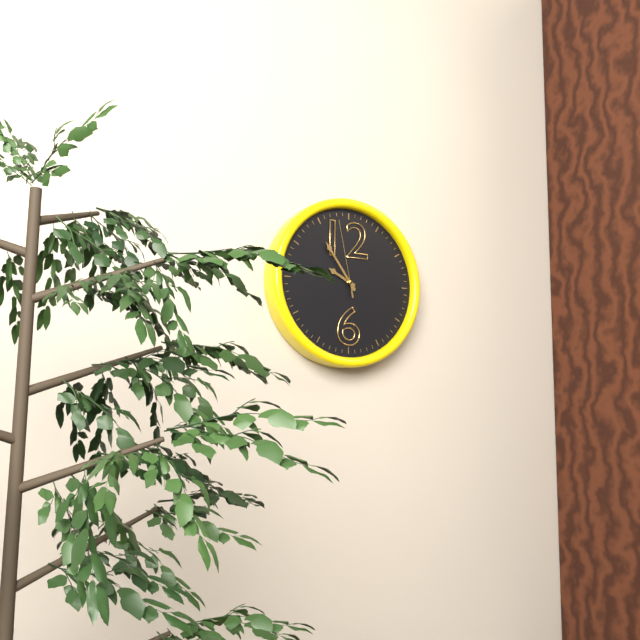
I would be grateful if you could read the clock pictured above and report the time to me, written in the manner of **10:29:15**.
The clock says **9:54:58**
